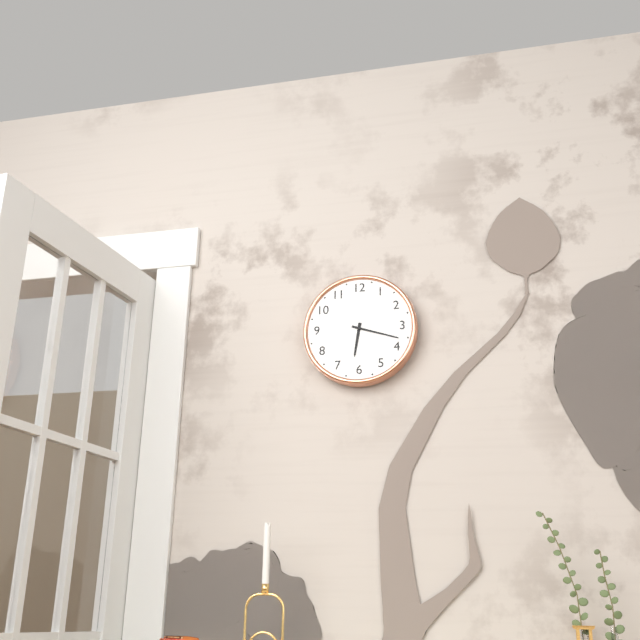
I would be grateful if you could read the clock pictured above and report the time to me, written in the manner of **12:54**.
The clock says **6:18**
